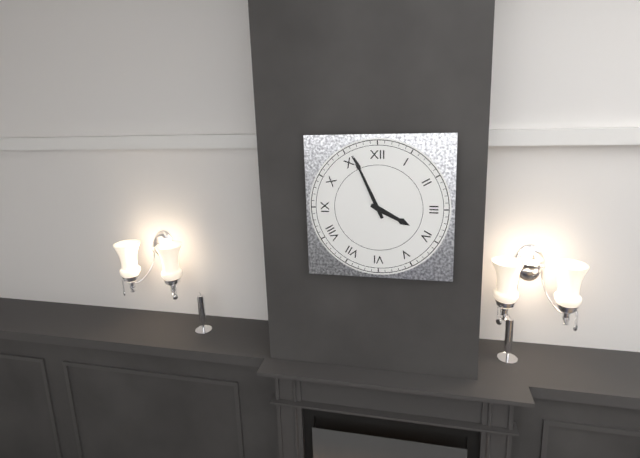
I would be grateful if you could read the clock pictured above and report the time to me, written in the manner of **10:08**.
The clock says **3:56**
